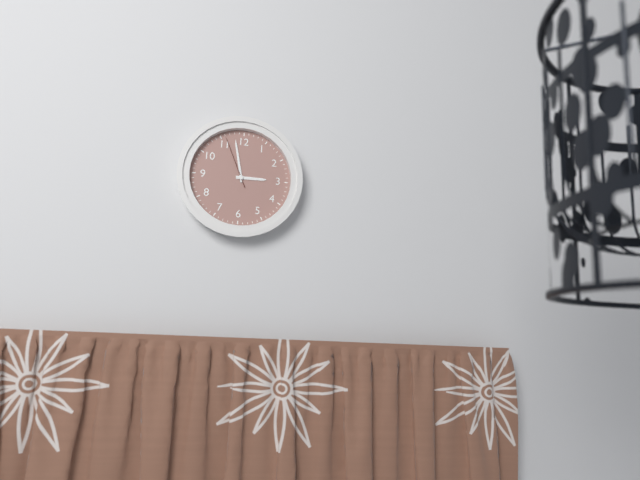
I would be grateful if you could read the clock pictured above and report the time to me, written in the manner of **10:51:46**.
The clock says **2:58:56**
